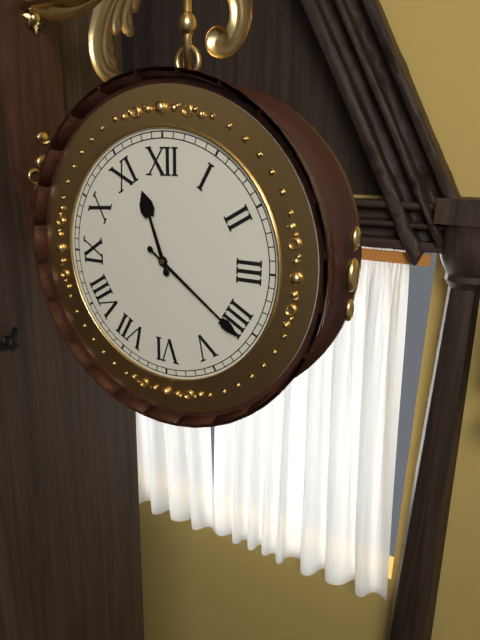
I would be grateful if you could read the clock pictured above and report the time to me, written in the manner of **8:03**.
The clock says **11:21**
